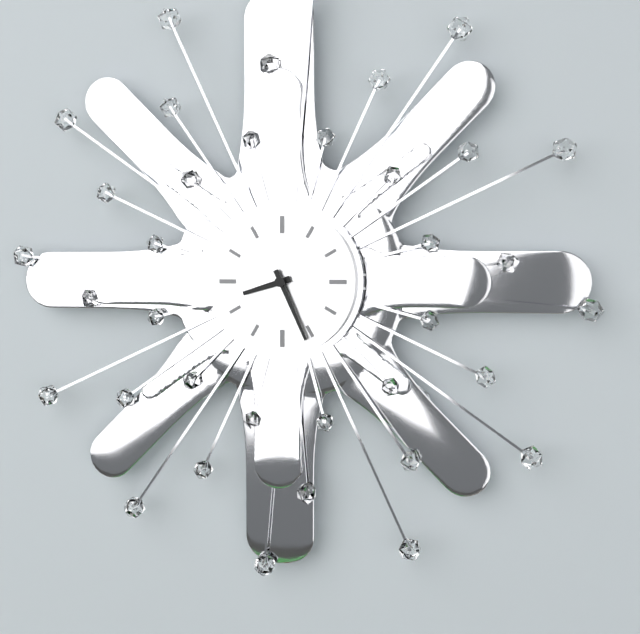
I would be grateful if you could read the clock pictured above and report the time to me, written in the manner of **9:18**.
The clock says **8:26**
